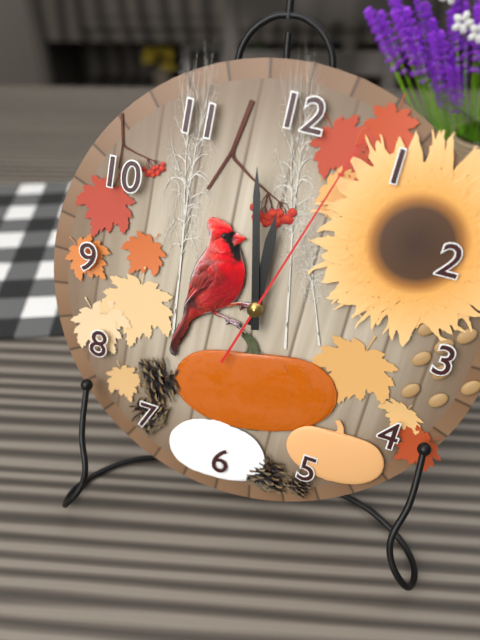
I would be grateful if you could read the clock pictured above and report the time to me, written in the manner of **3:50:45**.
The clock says **11:58:03**
